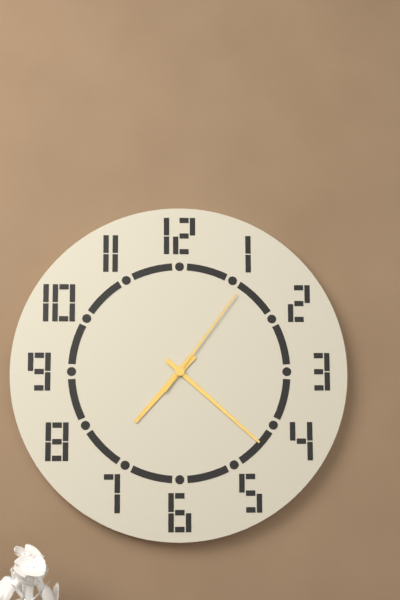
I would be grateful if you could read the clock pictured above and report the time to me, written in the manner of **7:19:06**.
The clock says **7:22:06**
